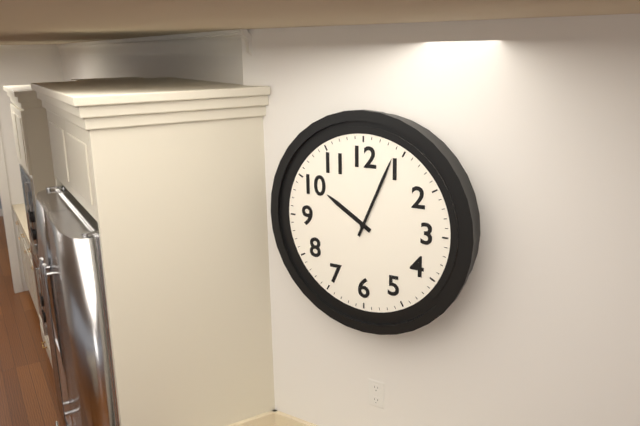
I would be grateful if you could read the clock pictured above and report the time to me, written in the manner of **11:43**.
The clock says **10:04**
